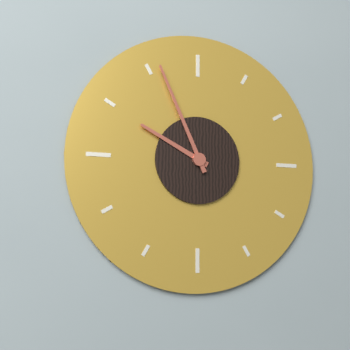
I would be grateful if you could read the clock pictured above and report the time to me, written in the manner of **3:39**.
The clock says **9:56**
